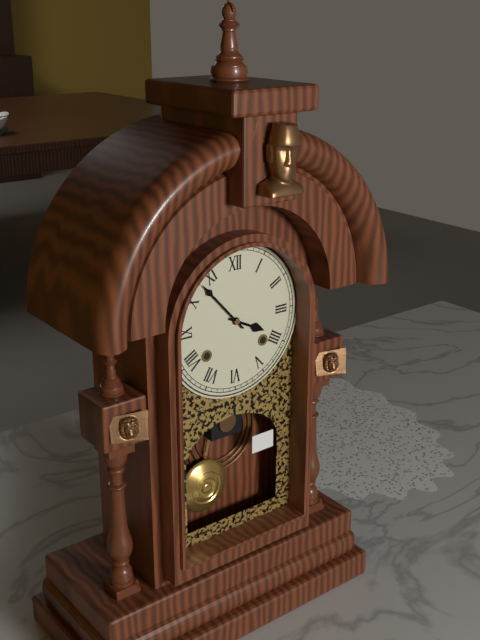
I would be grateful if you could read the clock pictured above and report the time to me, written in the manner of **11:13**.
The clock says **3:53**
